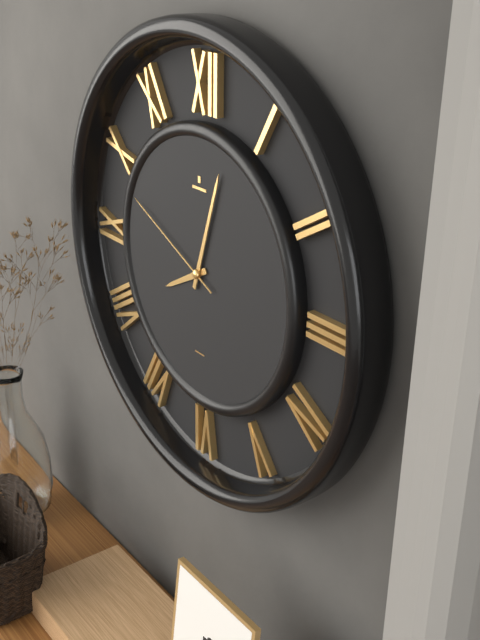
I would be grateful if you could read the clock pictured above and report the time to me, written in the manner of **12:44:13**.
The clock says **8:03:49**
